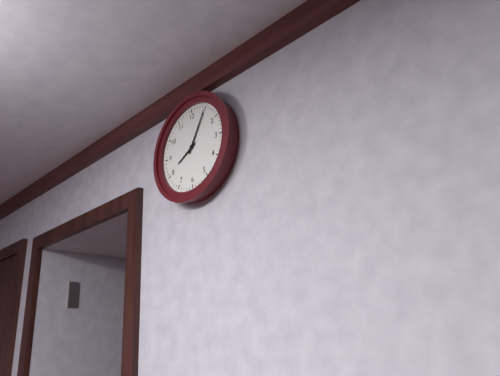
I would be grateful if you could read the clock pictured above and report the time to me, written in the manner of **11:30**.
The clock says **8:05**
